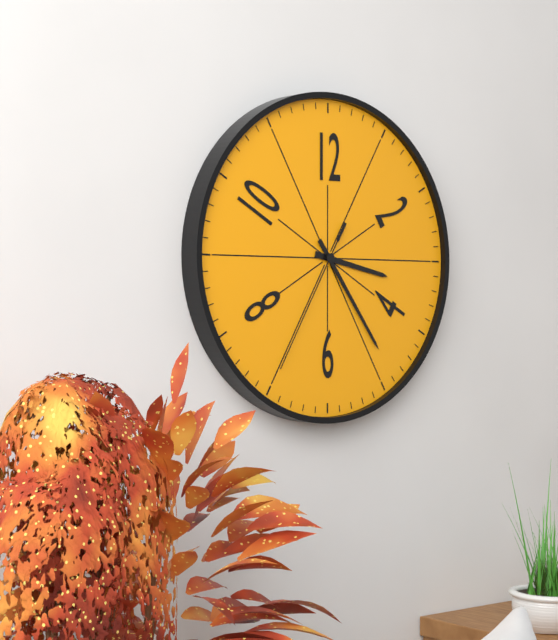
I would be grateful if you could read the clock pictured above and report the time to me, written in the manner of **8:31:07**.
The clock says **3:24:35**
